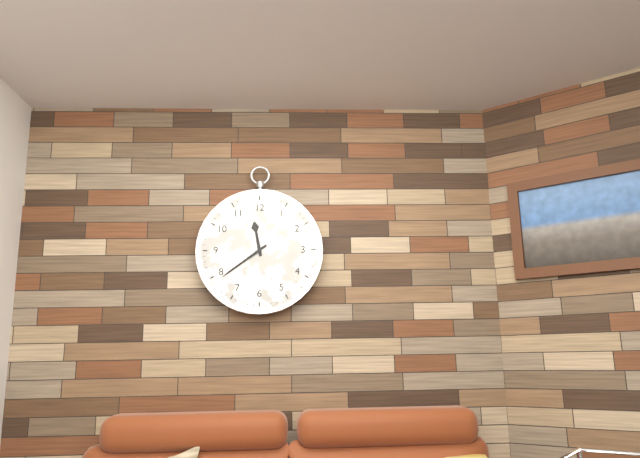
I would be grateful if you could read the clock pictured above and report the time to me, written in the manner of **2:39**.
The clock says **11:39**
